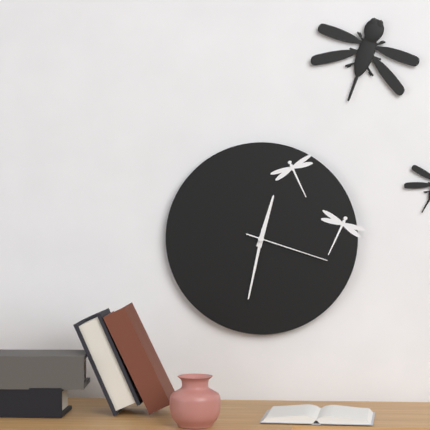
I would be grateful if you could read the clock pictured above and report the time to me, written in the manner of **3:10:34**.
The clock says **12:32:18**
